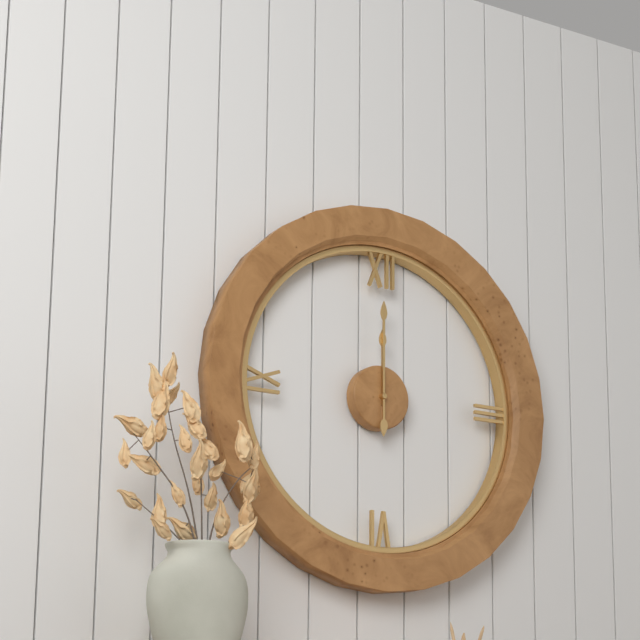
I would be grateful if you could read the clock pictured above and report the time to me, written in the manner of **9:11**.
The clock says **12:00**
